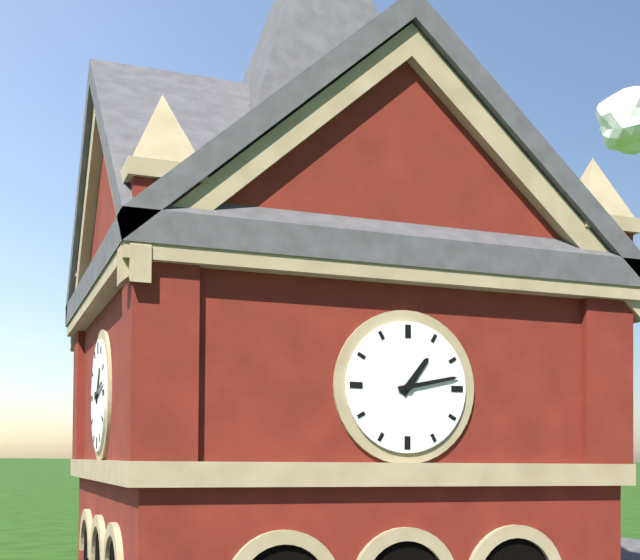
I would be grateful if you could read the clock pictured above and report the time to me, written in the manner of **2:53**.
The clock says **1:13**
